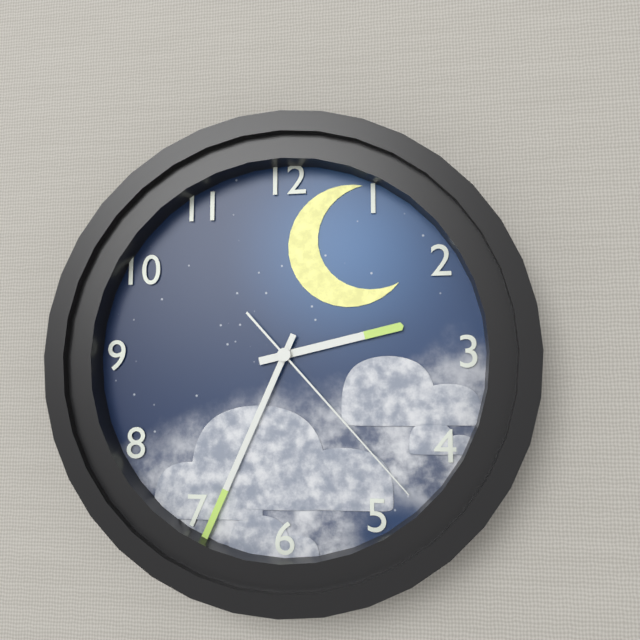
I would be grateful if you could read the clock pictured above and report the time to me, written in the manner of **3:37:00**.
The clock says **2:34:23**
